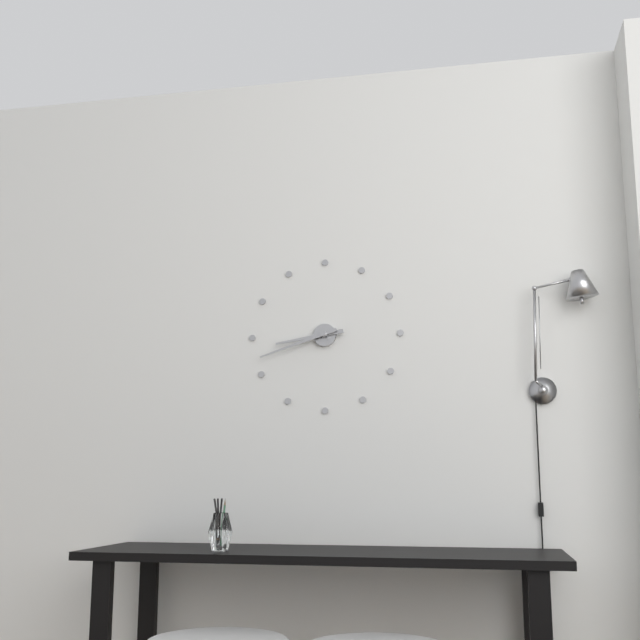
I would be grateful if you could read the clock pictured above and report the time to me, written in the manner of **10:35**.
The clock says **8:42**
